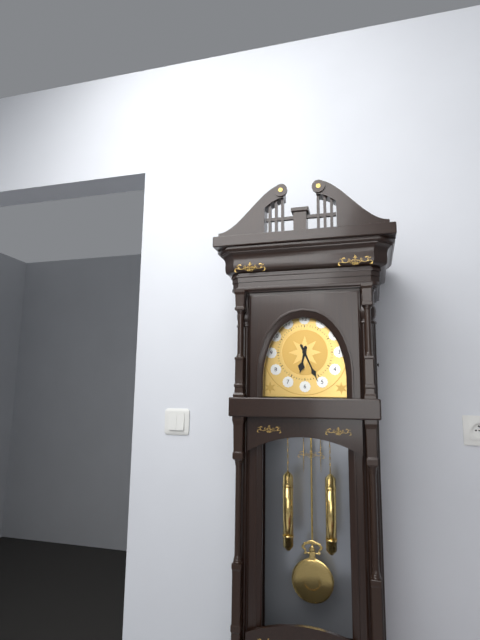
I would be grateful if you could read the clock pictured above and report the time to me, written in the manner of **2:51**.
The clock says **6:26**
